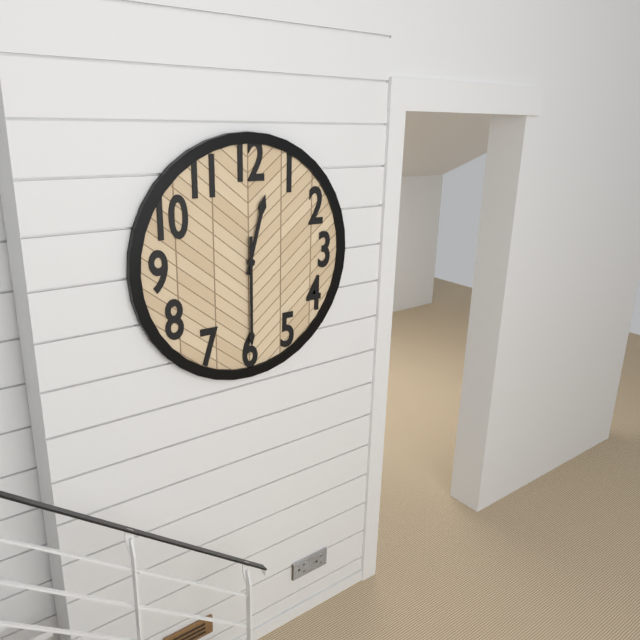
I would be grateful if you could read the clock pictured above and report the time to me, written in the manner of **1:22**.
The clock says **12:30**
